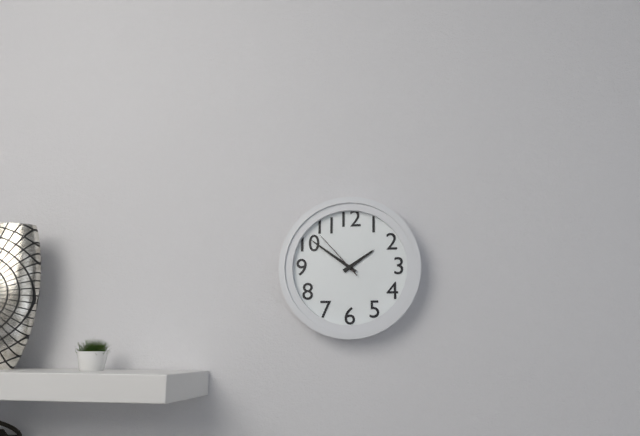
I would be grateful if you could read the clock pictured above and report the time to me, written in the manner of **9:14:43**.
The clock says **1:51:53**
